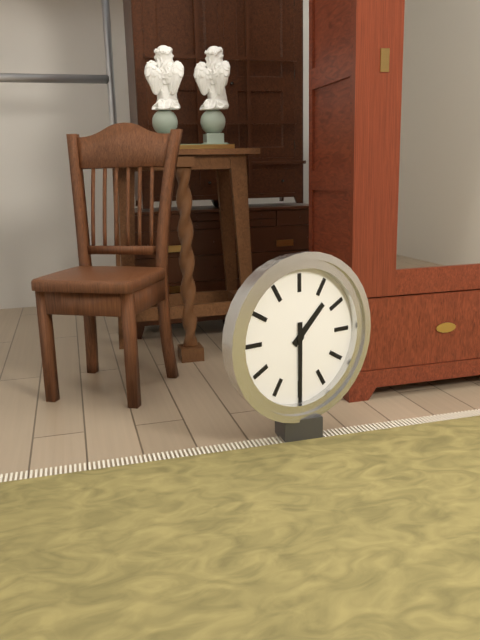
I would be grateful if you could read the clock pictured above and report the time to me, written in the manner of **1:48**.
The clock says **1:30**
